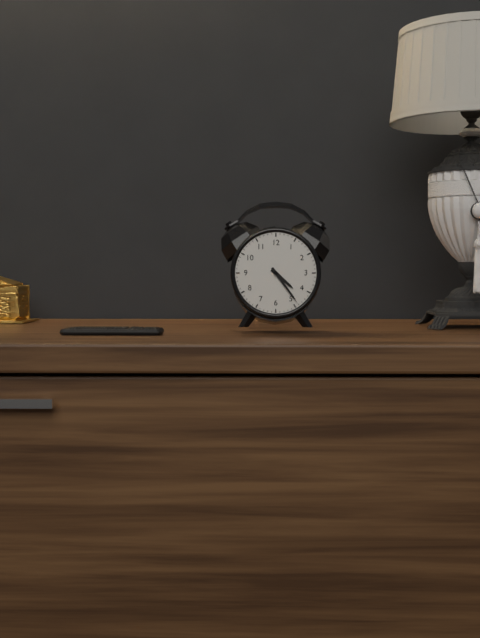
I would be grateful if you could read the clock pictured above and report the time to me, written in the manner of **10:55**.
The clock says **4:24**
